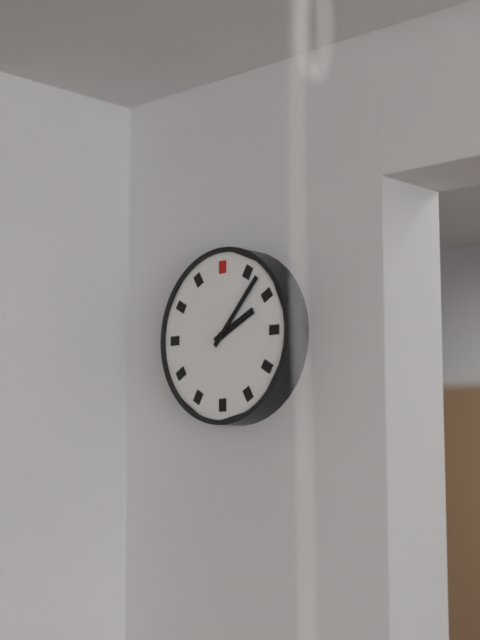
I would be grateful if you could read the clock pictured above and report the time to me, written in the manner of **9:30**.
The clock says **2:07**
